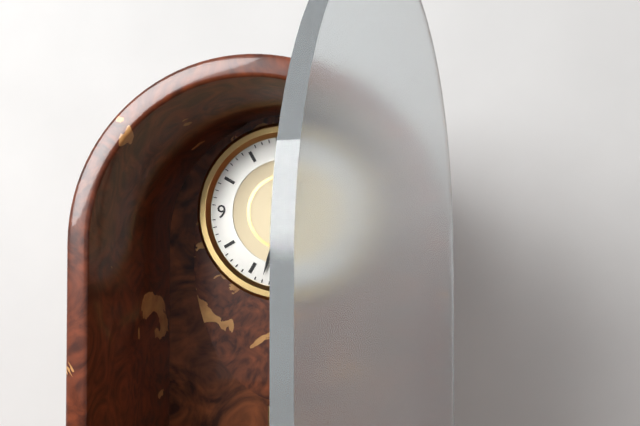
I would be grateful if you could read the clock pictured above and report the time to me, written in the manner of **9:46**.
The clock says **12:33**
